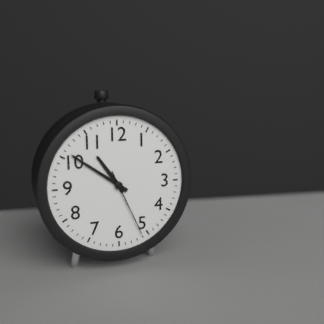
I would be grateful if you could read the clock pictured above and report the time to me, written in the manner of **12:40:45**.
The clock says **10:51:26**
